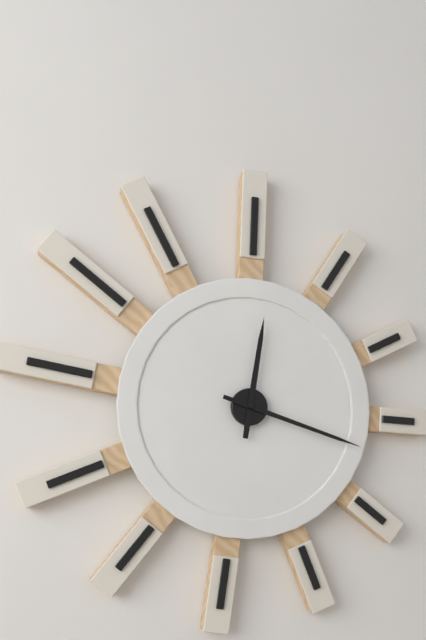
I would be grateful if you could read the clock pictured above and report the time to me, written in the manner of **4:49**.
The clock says **12:18**
